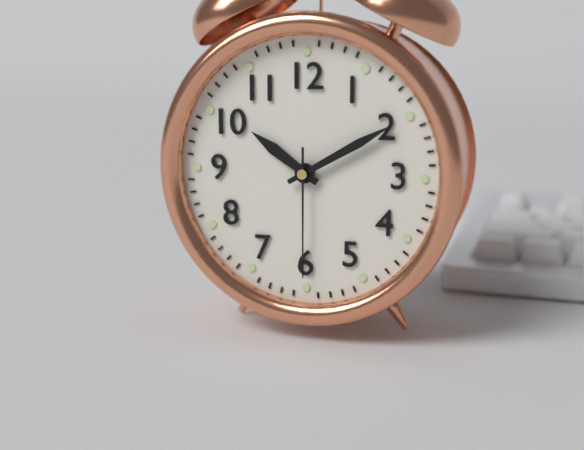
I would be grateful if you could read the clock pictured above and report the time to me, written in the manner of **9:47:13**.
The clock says **10:10:30**
